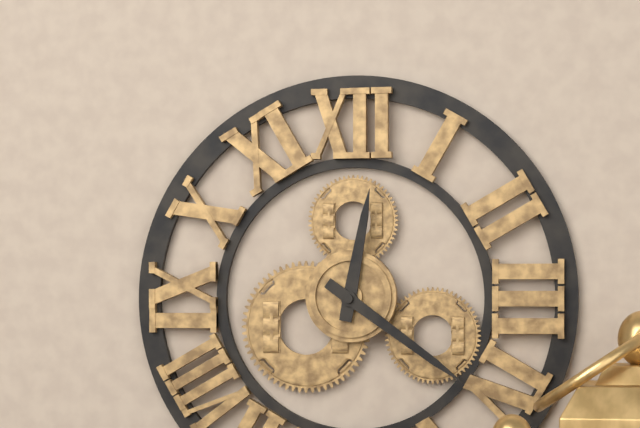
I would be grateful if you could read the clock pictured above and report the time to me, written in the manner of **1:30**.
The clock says **12:21**
